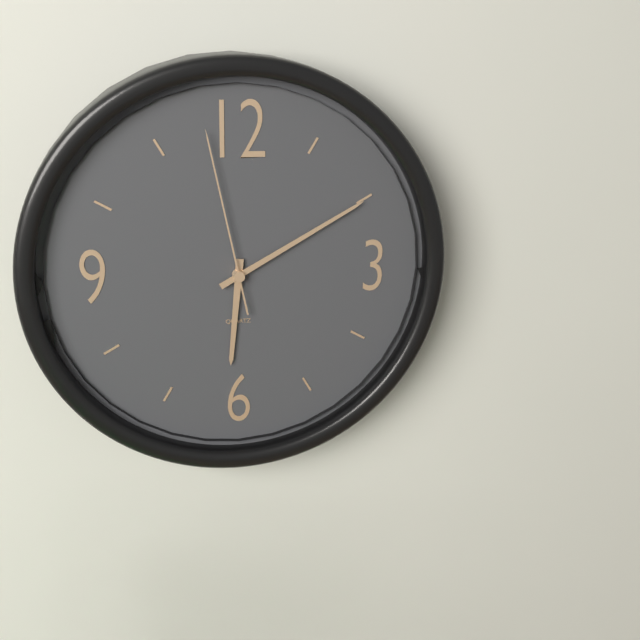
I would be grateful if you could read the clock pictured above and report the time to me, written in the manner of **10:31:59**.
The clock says **6:10:58**
